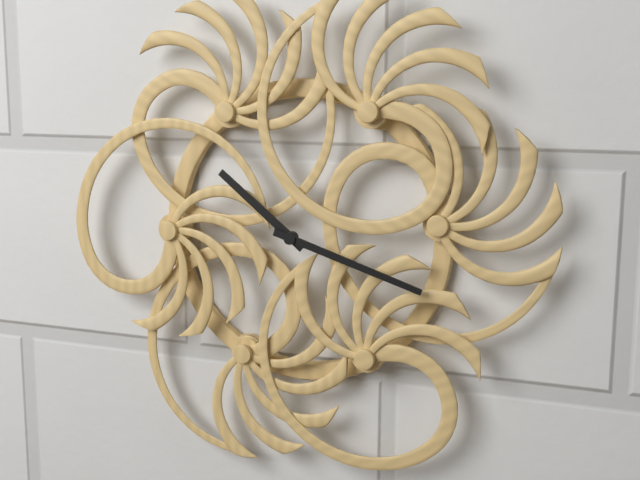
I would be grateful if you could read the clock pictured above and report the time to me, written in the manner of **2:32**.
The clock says **10:18**
